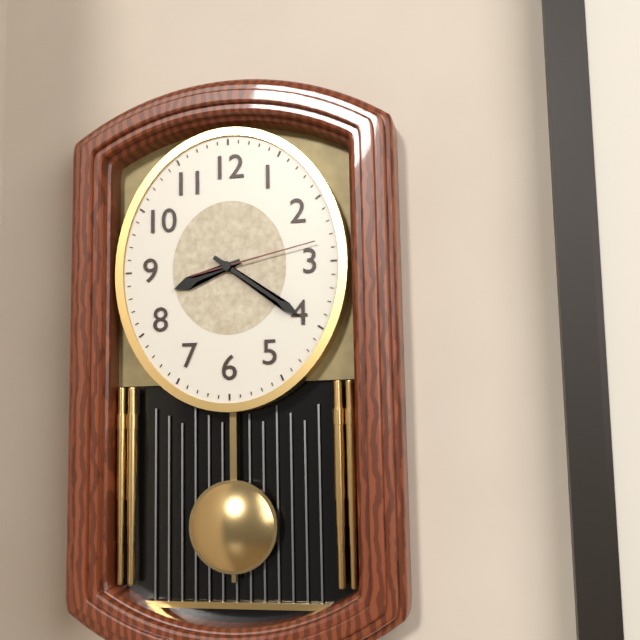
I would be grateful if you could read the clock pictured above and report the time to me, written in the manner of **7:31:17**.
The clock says **8:21:13**
